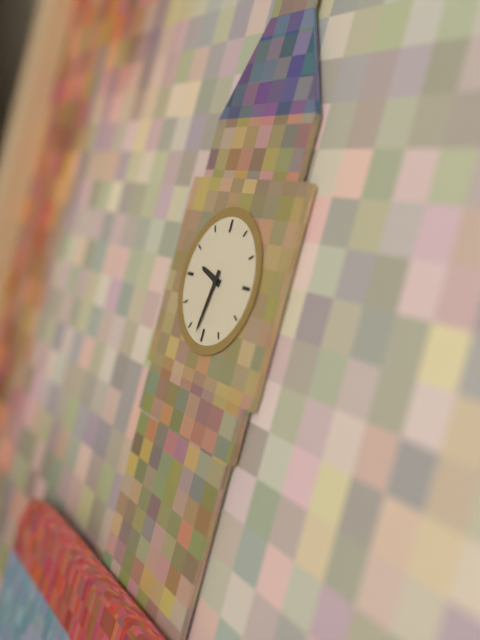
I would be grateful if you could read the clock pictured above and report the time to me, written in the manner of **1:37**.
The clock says **9:32**
